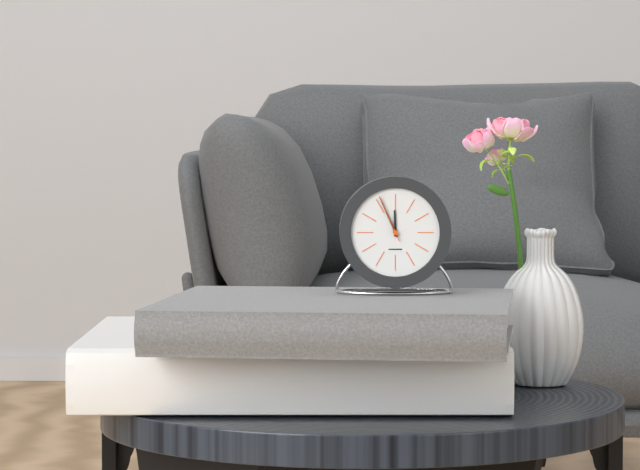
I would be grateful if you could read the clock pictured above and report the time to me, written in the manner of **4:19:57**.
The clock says **11:56:56**
